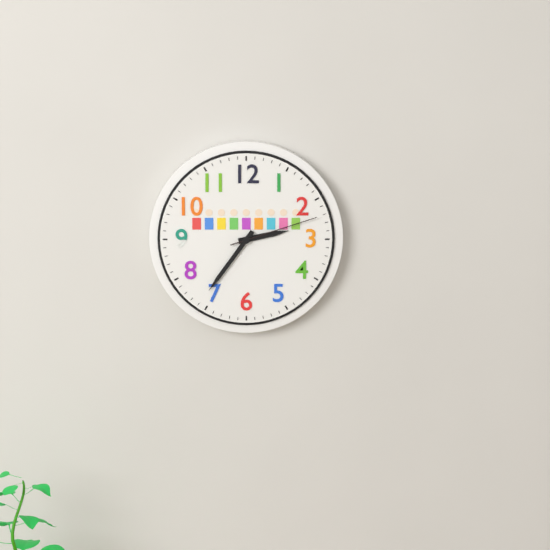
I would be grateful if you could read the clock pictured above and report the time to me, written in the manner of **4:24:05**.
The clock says **2:36:12**
